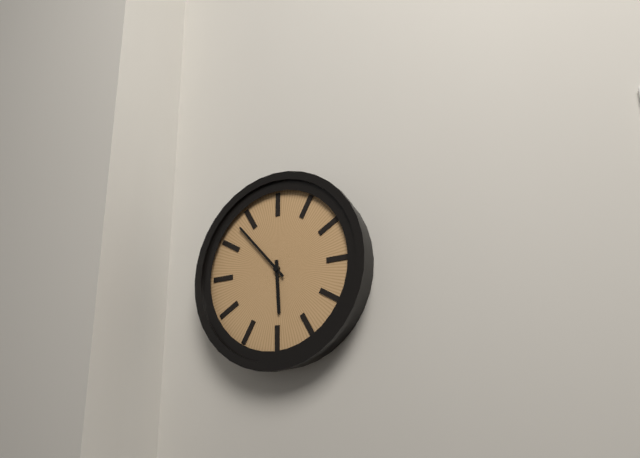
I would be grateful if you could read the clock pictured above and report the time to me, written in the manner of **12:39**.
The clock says **5:53**
